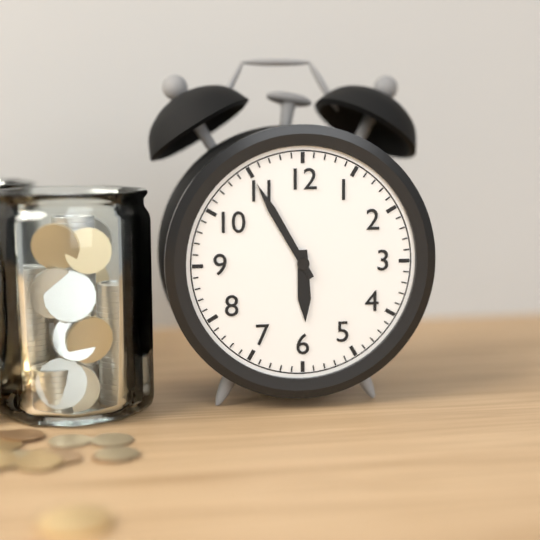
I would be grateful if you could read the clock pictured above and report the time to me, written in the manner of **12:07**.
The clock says **5:55**
